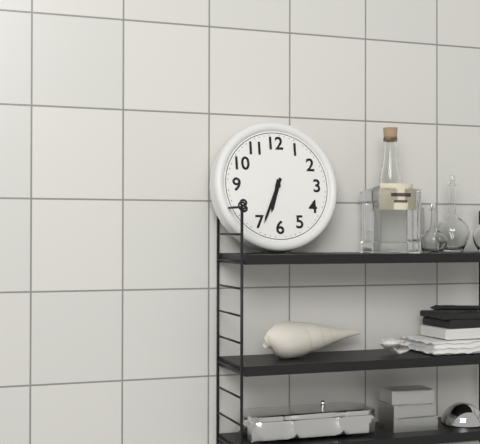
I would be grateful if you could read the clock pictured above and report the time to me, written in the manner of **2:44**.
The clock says **6:34**
